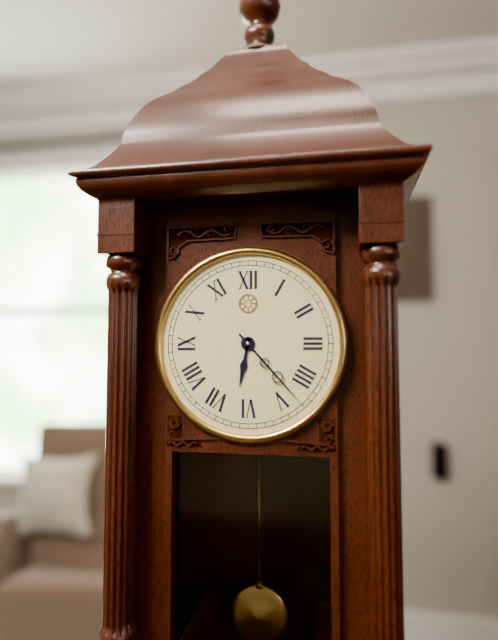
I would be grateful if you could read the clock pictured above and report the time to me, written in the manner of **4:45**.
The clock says **6:23**
